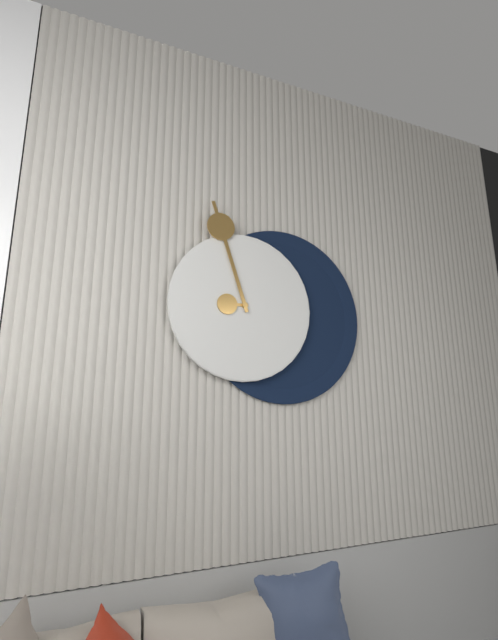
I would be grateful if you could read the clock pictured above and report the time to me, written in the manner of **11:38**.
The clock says **8:57**
